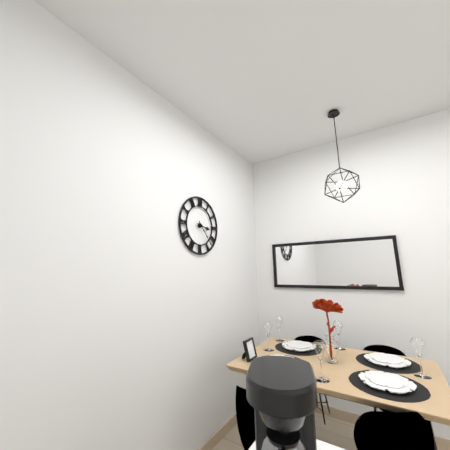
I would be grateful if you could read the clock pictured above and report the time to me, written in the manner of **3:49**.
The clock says **3:23**
